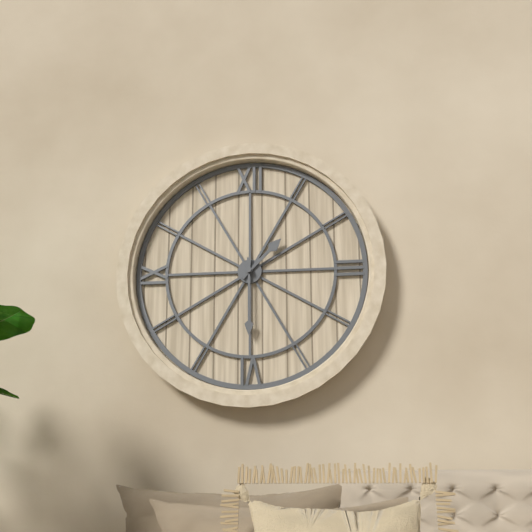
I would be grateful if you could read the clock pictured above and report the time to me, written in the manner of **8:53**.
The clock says **1:30**
